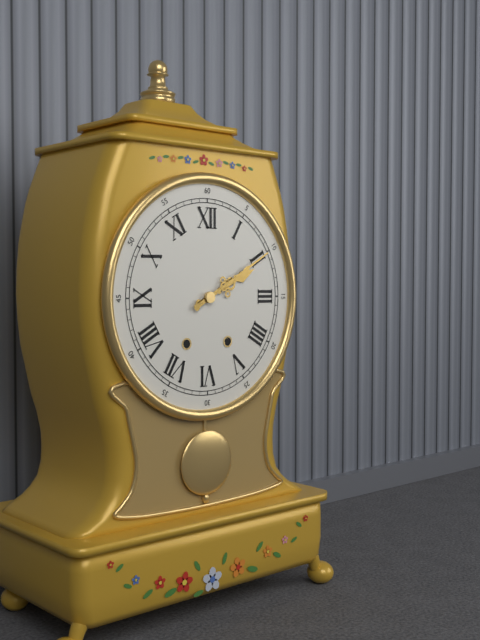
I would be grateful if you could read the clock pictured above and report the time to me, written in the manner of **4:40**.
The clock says **2:10**
